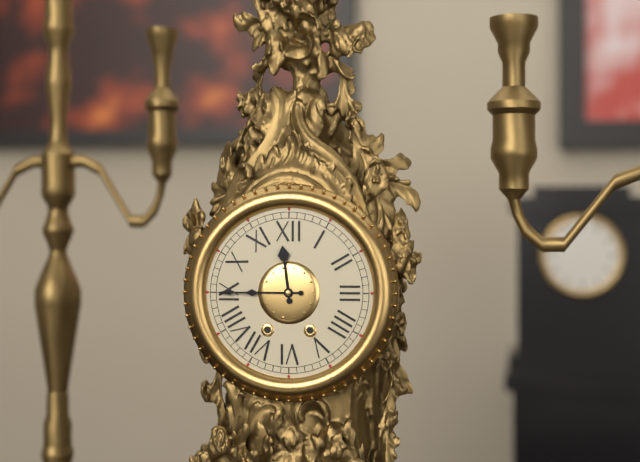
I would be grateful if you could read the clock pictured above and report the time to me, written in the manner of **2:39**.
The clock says **11:45**
